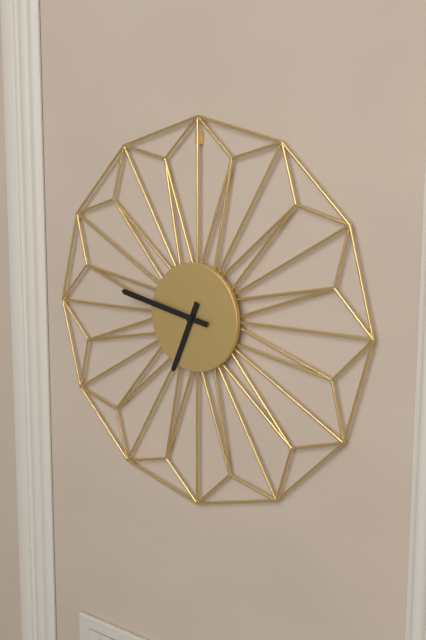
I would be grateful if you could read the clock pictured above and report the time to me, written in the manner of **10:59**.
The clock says **6:47**
